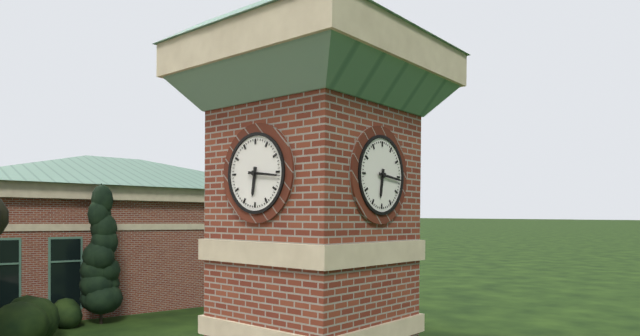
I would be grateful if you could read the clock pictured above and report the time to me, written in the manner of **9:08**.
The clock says **6:16**
